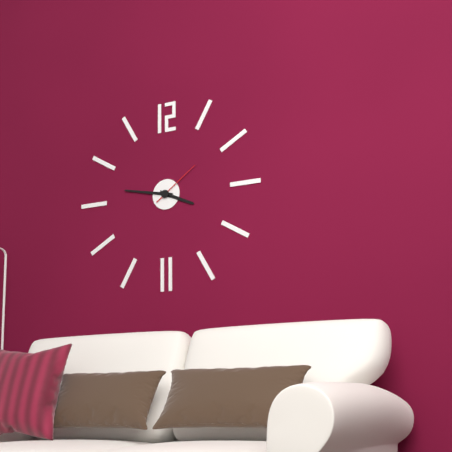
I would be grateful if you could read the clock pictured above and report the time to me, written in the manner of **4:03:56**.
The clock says **3:47:09**
